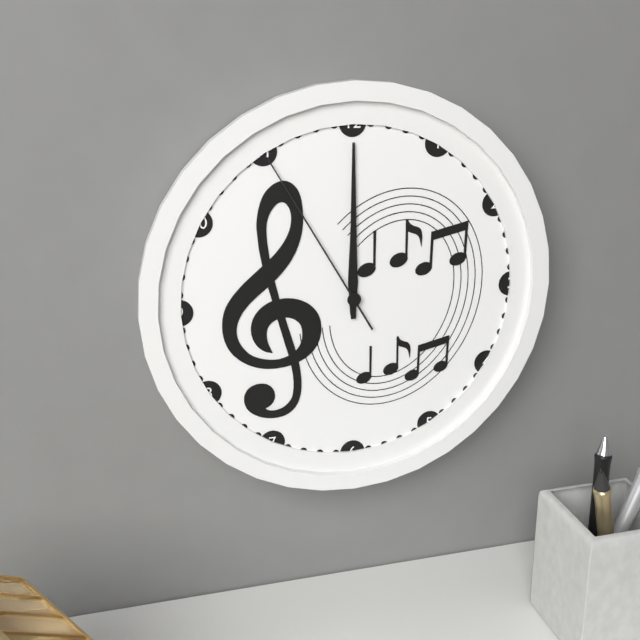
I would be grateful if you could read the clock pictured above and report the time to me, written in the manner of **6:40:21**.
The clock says **12:00:55**
